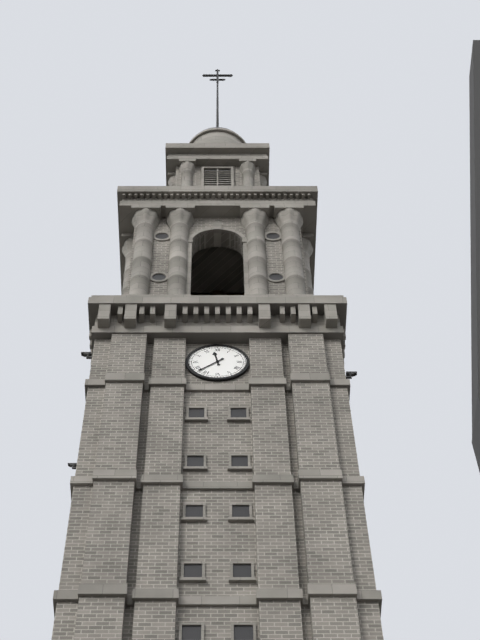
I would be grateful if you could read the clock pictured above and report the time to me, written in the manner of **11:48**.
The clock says **11:38**
